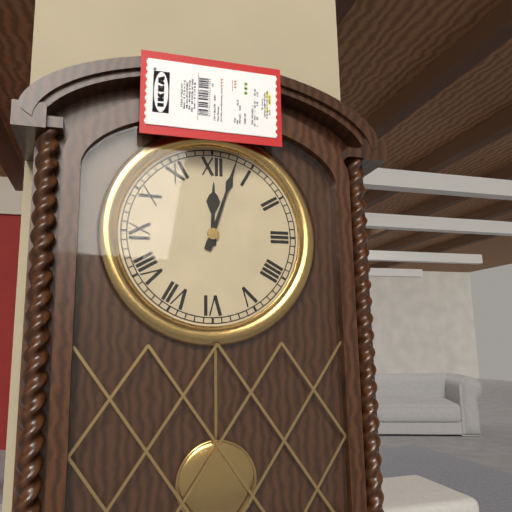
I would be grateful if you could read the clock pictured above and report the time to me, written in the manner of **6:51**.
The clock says **12:03**
